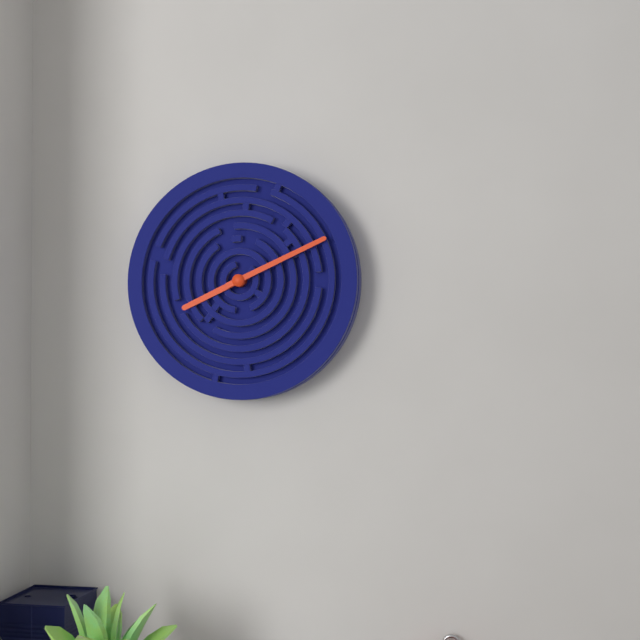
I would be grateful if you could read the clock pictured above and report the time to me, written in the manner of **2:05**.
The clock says **8:11**
